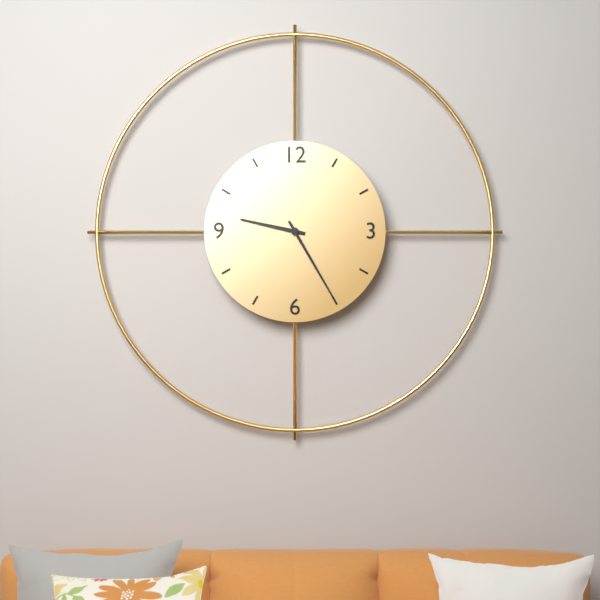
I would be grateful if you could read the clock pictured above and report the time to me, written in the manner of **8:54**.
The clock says **9:25**
